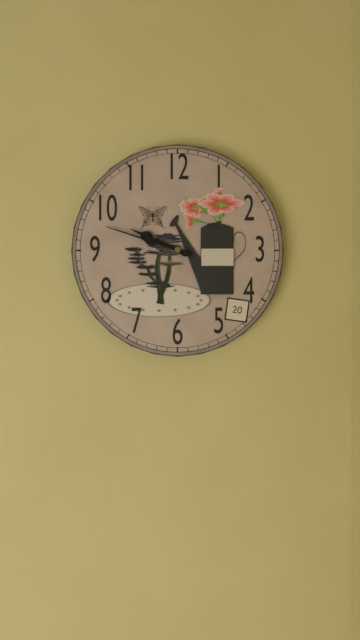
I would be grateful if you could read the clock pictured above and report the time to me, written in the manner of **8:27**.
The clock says **9:48**
